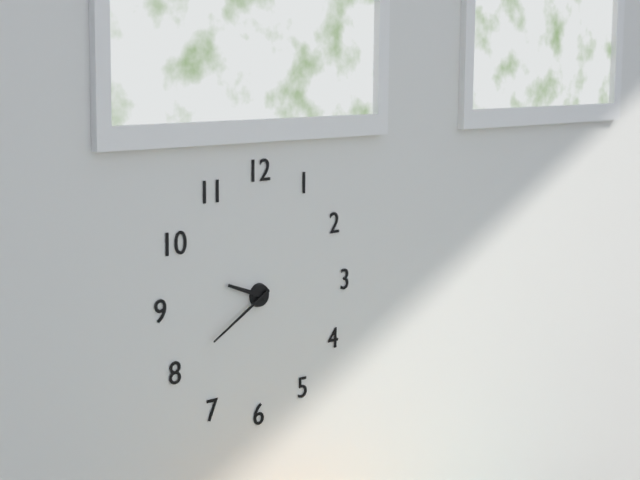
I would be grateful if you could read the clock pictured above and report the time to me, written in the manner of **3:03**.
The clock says **9:40**
